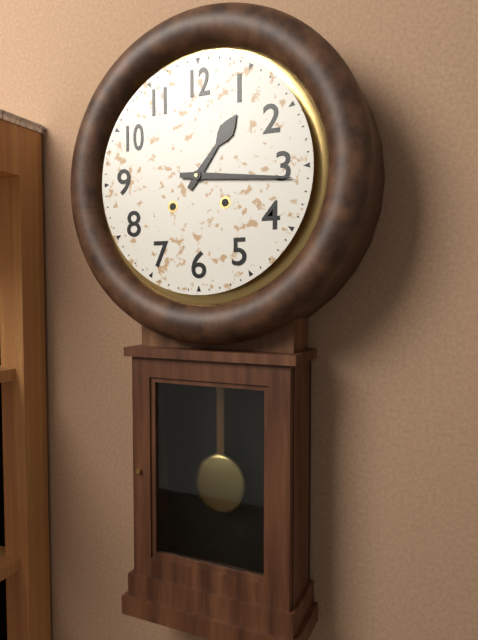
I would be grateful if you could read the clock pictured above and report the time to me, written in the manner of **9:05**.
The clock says **1:16**
